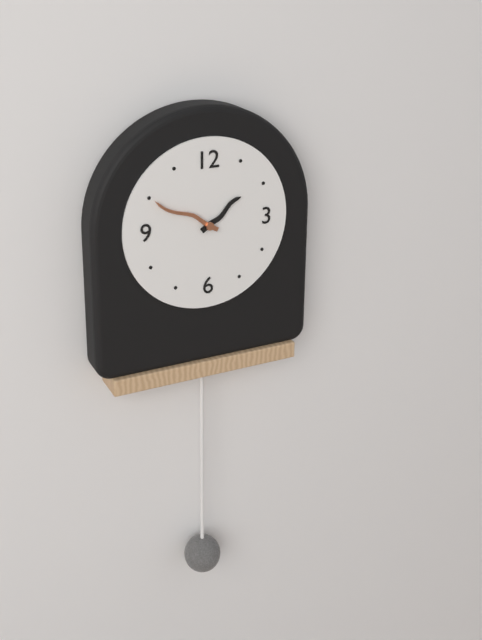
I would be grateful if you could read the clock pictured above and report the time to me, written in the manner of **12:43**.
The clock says **1:50**
